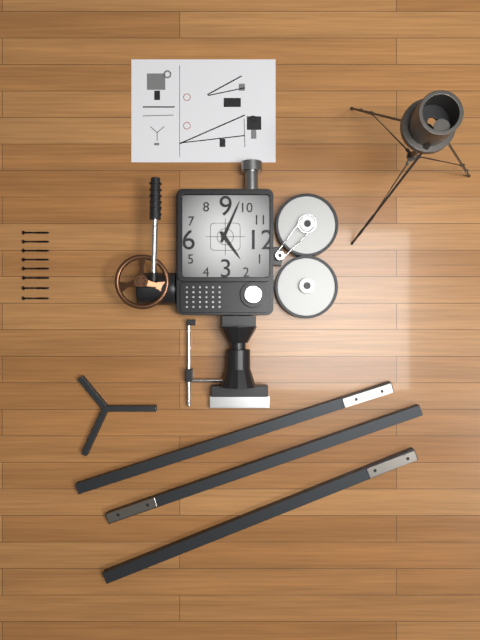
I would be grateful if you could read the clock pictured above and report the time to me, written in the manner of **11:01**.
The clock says **1:49**
